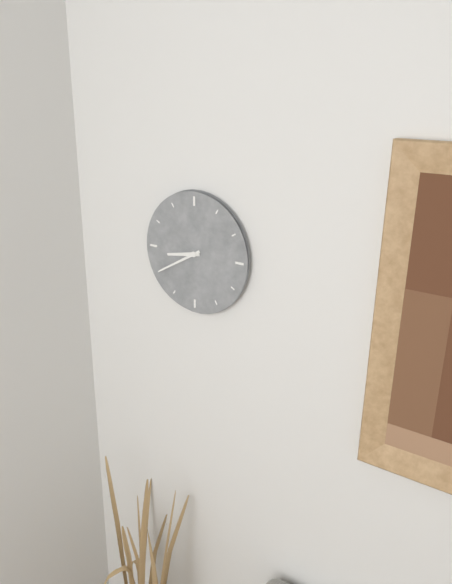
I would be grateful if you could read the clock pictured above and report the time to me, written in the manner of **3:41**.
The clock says **8:40**
